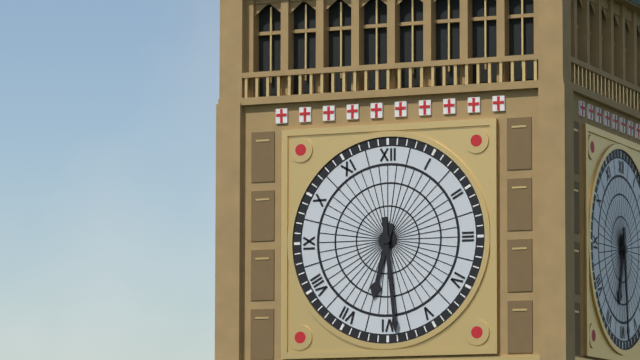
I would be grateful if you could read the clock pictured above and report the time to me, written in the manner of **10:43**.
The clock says **6:29**
